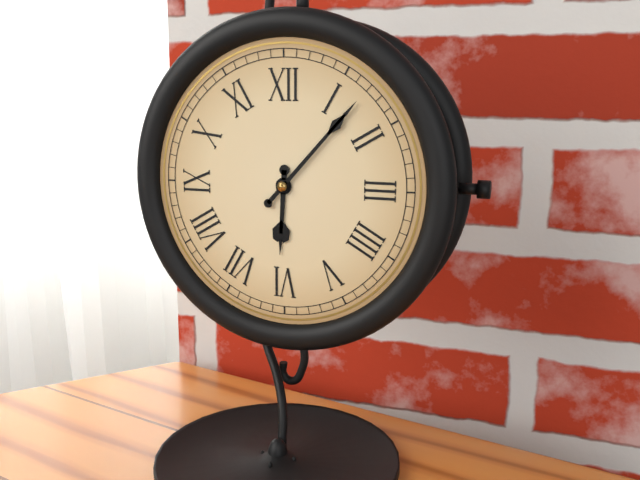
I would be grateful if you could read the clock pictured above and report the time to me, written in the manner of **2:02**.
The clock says **6:07**
